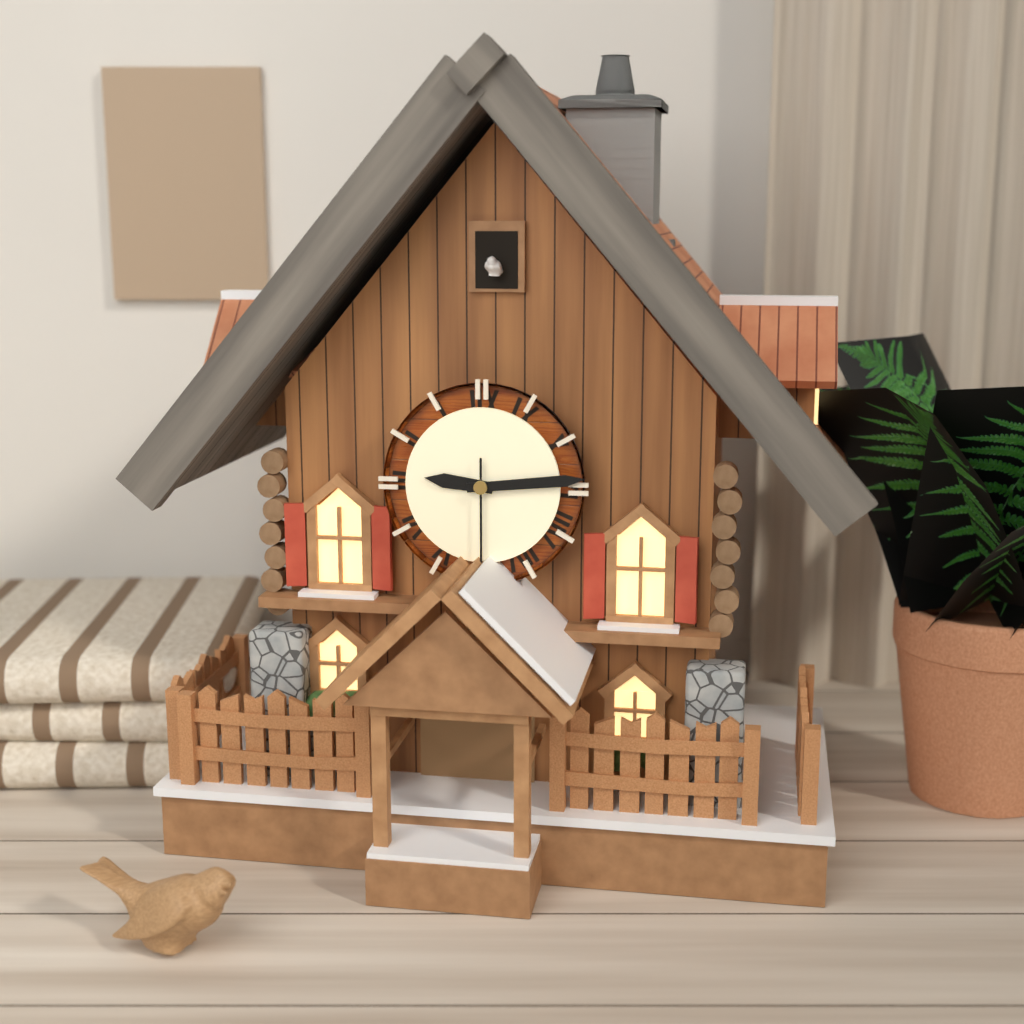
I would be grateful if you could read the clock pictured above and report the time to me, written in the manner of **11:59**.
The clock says **9:14**
